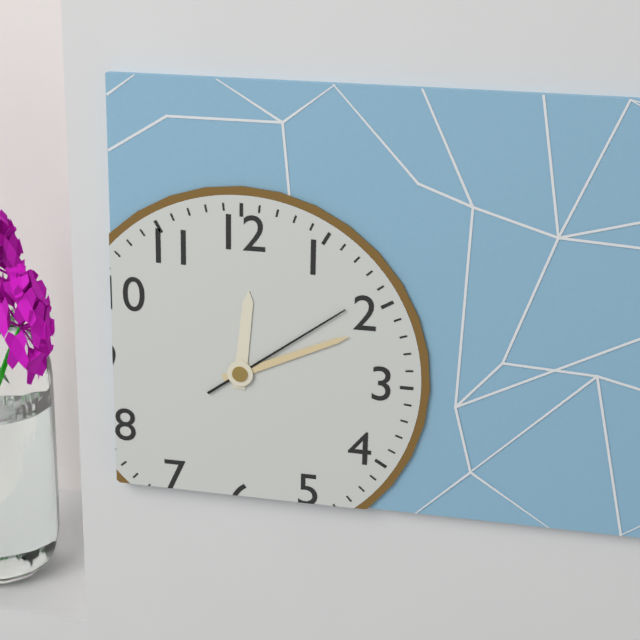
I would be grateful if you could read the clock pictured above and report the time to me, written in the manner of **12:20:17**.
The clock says **12:11:09**
